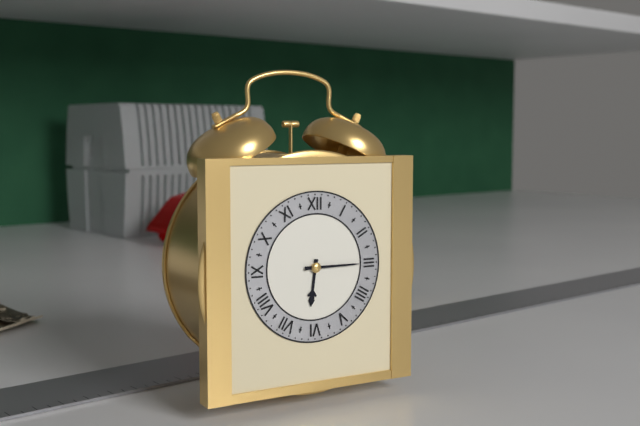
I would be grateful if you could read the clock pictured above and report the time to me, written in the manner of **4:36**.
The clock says **6:15**
